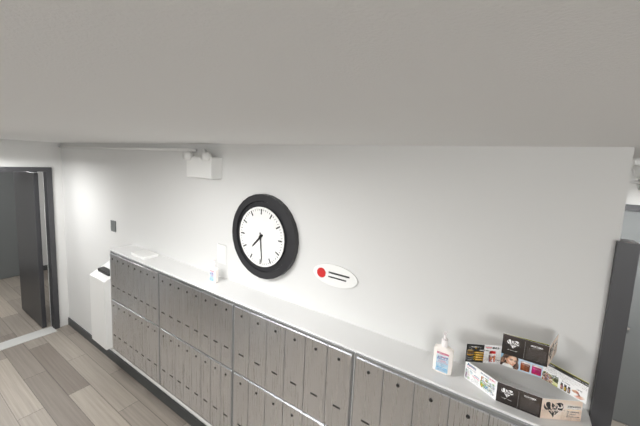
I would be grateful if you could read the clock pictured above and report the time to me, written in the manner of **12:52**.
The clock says **7:29**
